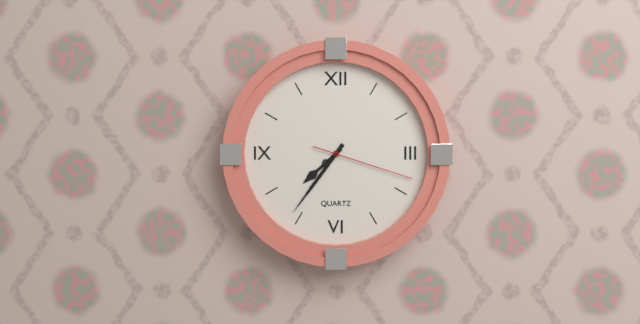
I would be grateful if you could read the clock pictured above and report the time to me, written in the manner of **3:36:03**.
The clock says **7:36:18**
